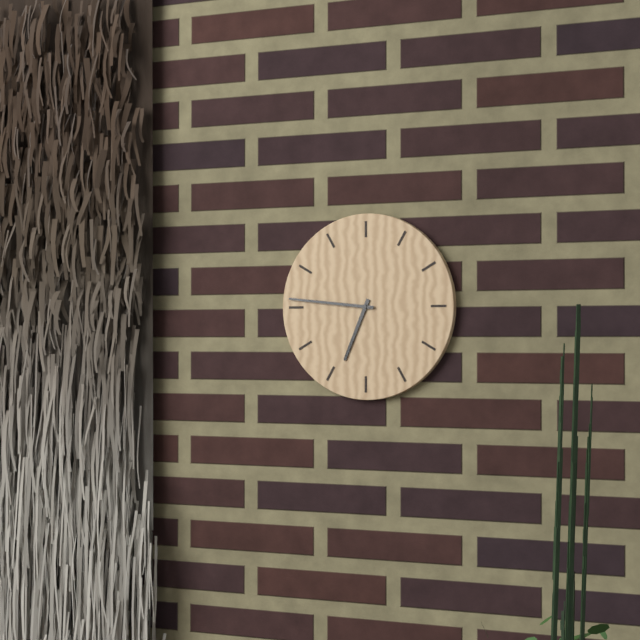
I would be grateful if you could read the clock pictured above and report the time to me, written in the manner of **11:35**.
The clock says **6:46**
